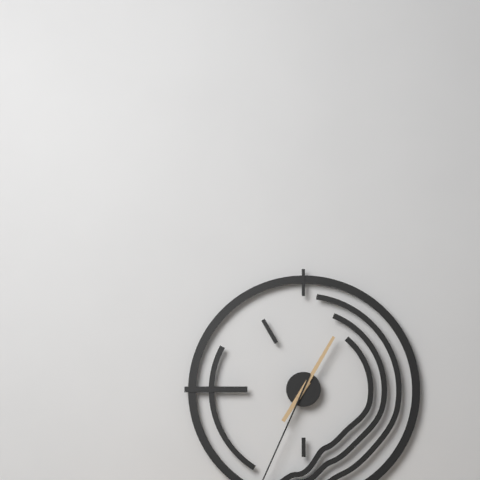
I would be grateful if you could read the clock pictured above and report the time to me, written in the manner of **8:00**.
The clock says **7:05**
